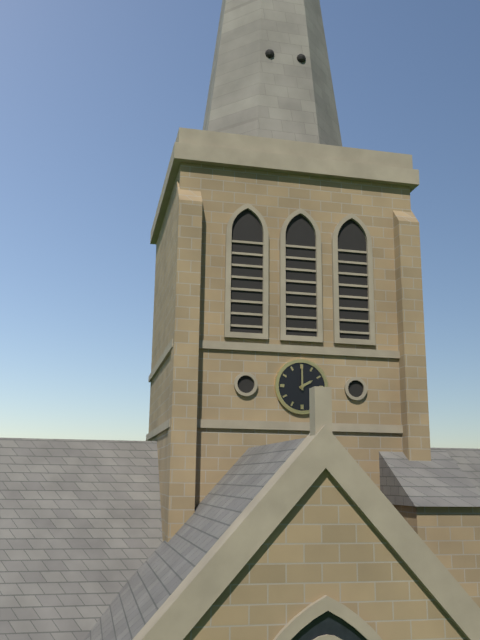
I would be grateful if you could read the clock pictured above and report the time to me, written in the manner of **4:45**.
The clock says **2:00**
